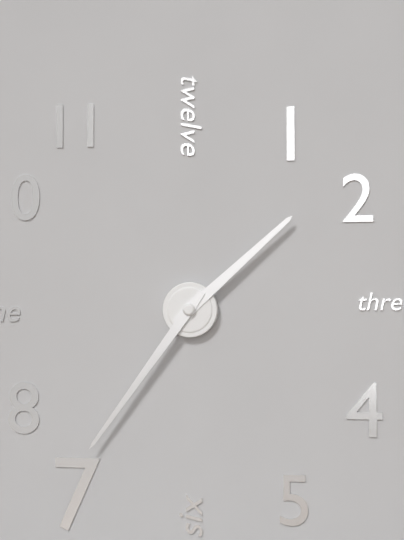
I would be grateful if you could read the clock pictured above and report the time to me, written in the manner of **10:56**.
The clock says **1:36**
